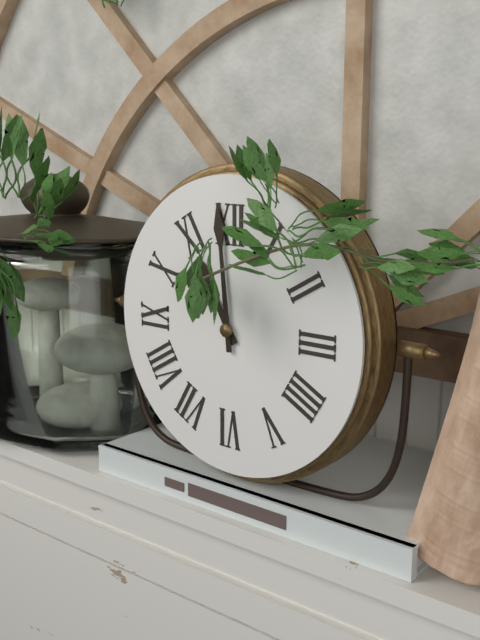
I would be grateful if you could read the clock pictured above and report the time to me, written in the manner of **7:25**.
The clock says **10:59**
